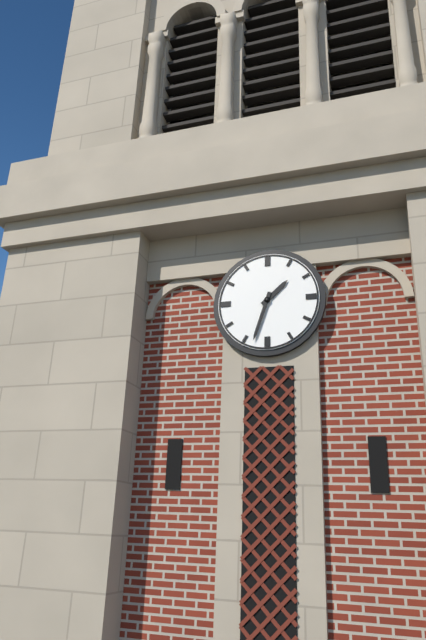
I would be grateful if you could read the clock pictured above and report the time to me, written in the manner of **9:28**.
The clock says **1:33**
